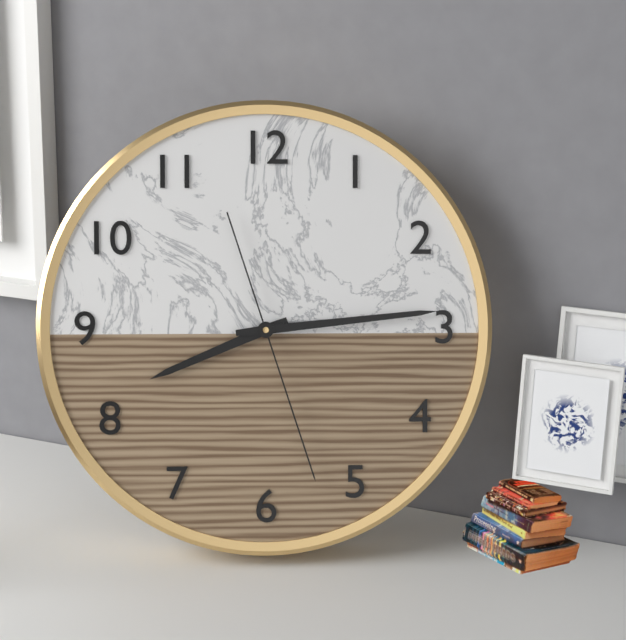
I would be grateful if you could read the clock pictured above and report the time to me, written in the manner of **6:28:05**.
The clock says **8:14:27**
